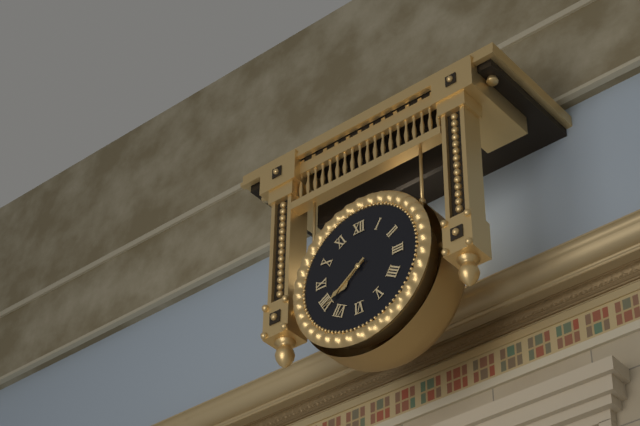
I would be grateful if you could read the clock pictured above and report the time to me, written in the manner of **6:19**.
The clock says **7:39**
